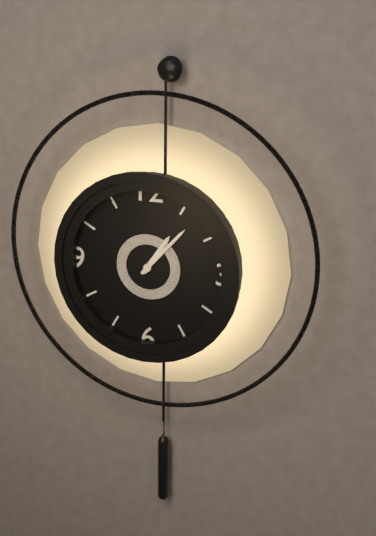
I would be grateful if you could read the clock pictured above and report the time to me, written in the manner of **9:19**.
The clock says **1:07**
